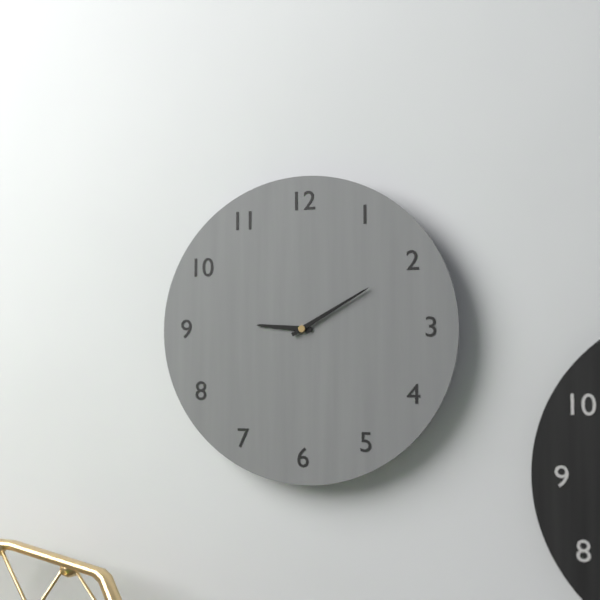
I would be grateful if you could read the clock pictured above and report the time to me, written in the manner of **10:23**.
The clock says **9:10**
